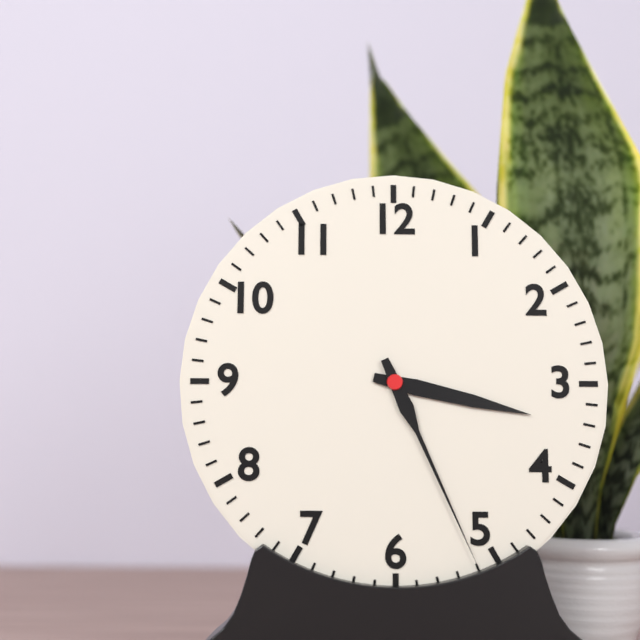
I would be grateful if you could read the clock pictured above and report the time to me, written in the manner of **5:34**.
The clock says **3:26**
